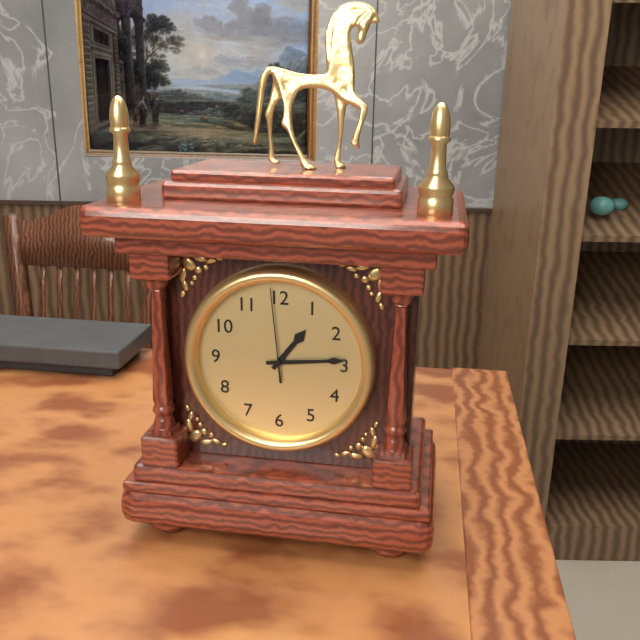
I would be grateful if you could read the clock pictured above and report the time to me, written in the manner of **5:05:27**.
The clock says **1:14:59**
